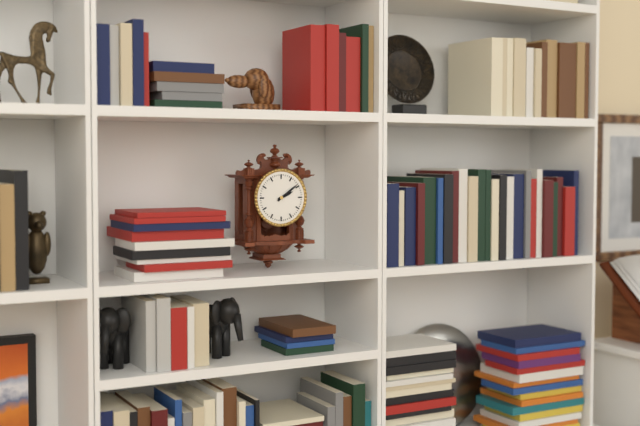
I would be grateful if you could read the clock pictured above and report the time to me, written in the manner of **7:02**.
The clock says **2:09**
